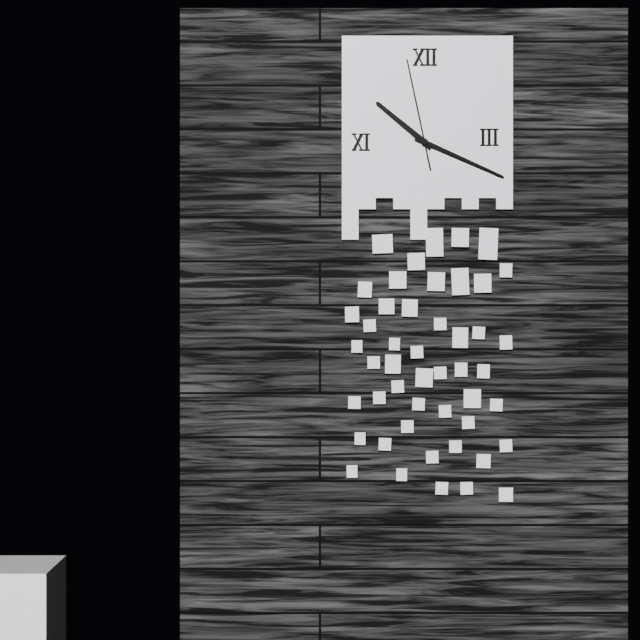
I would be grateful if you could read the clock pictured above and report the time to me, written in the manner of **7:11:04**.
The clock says **10:19:58**
